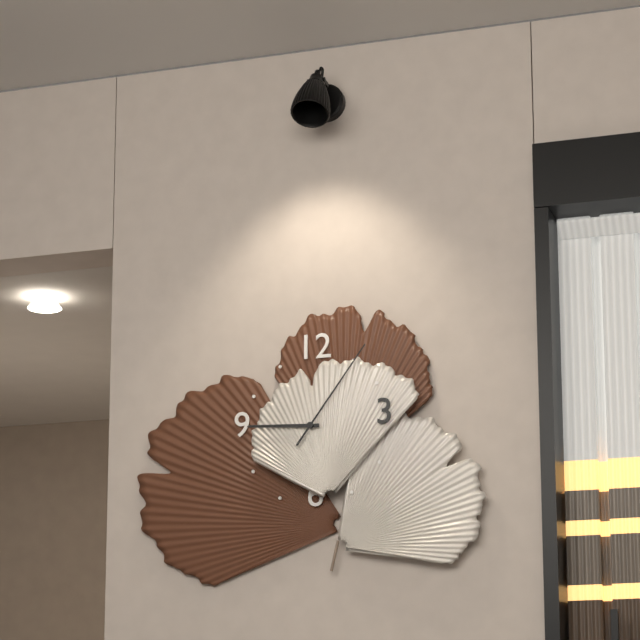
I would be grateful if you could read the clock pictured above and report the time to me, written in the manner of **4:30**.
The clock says **9:06**
